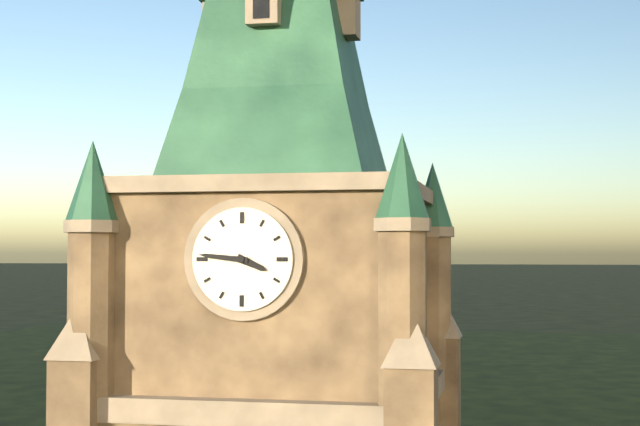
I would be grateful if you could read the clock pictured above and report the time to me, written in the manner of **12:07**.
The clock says **3:46**
